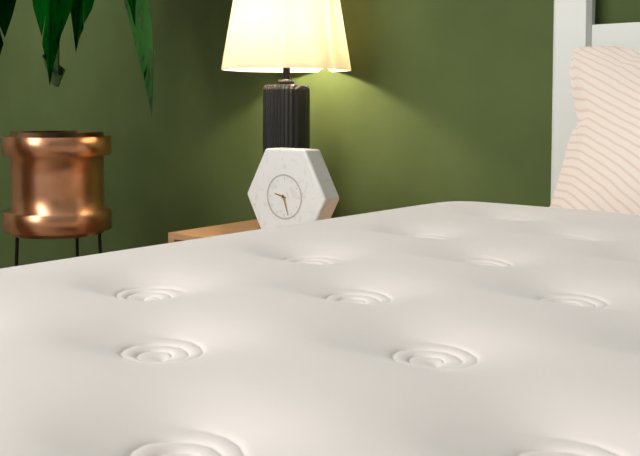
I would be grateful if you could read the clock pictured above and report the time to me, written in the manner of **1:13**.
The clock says **9:27**
